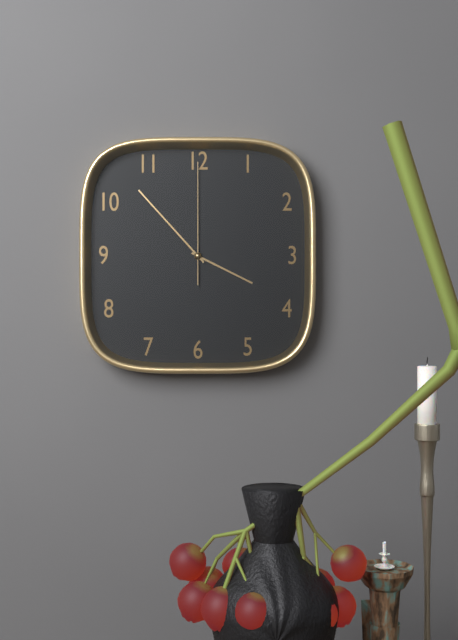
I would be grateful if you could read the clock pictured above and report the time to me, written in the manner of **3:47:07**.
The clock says **3:53:00**
